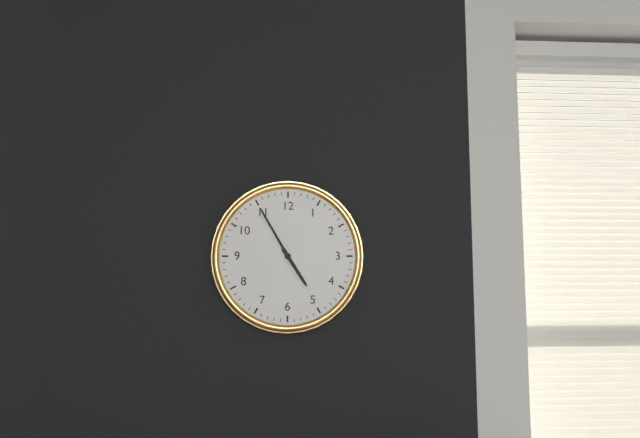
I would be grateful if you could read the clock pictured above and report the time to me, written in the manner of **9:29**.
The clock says **4:55**
